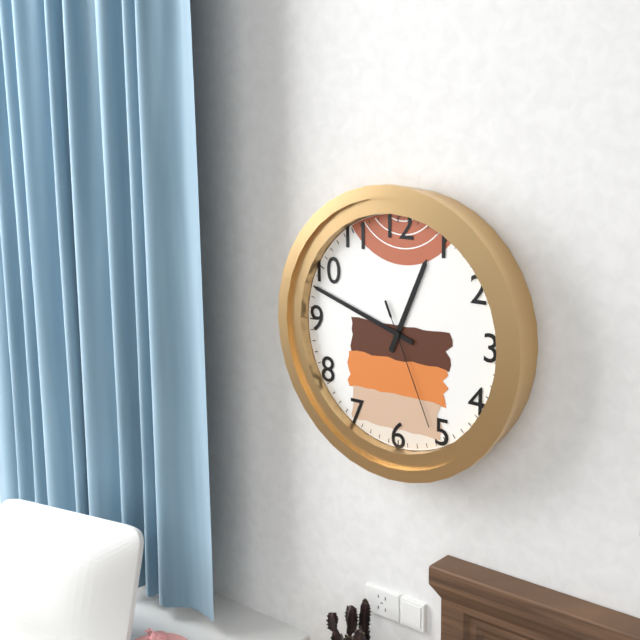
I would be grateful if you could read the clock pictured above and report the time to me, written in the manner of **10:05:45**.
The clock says **12:48:26**
